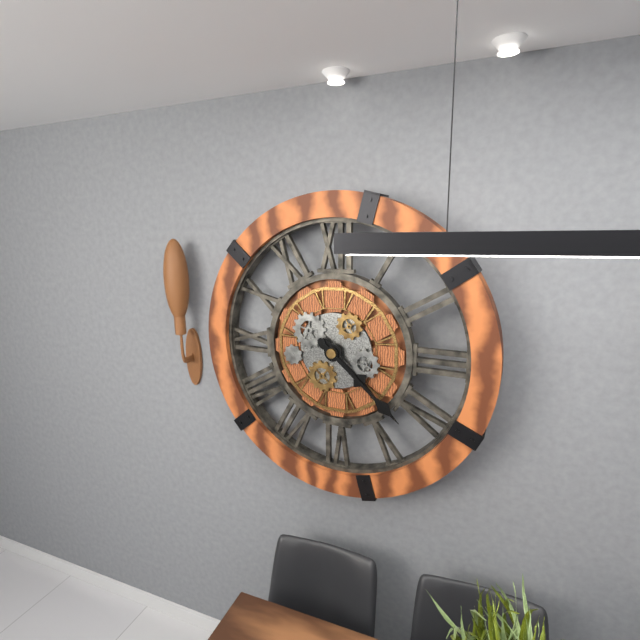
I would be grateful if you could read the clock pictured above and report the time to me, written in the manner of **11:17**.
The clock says **4:22**
